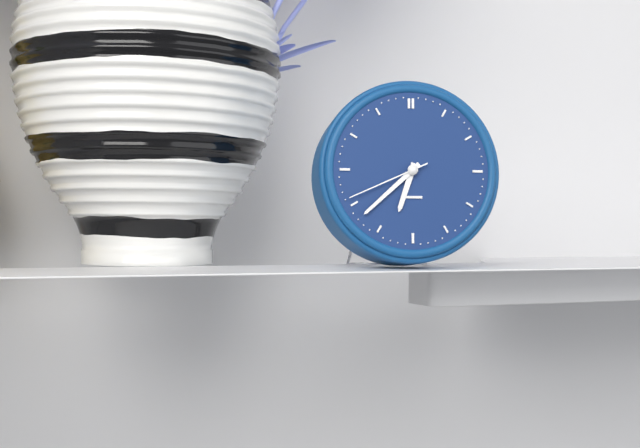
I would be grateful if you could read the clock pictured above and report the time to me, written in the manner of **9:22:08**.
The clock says **6:38:41**
